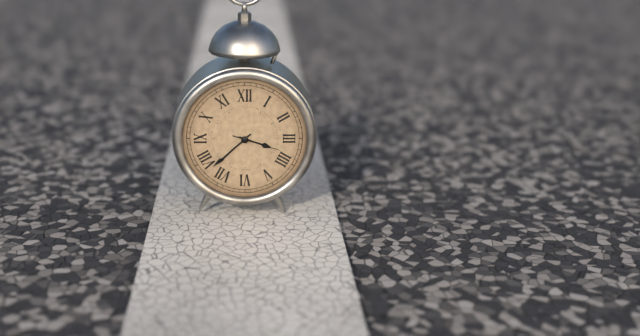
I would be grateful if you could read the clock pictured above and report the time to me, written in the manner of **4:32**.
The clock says **3:38**
